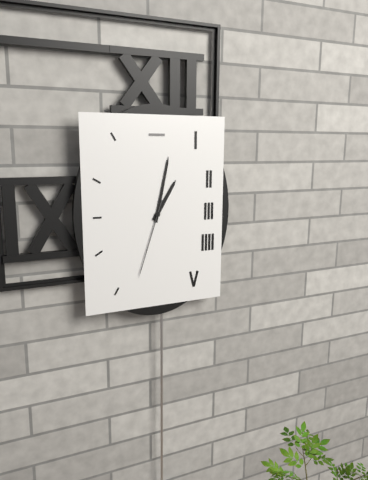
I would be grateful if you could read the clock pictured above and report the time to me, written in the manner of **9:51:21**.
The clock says **1:02:33**
